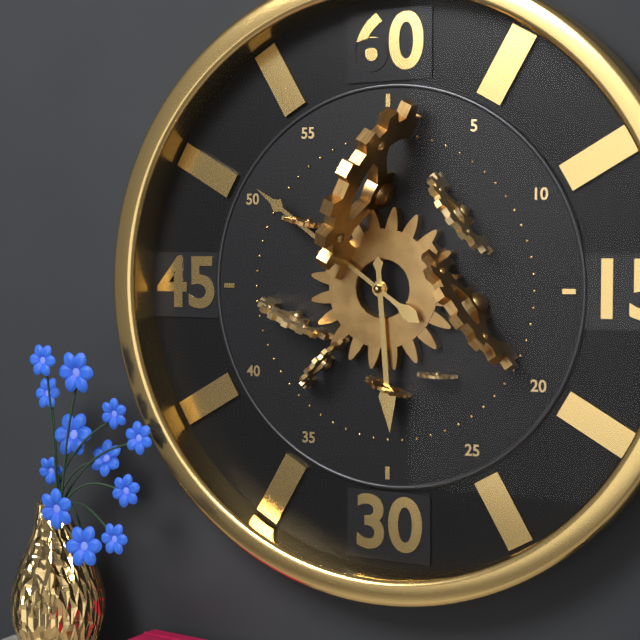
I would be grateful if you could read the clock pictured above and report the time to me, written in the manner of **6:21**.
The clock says **5:51**
